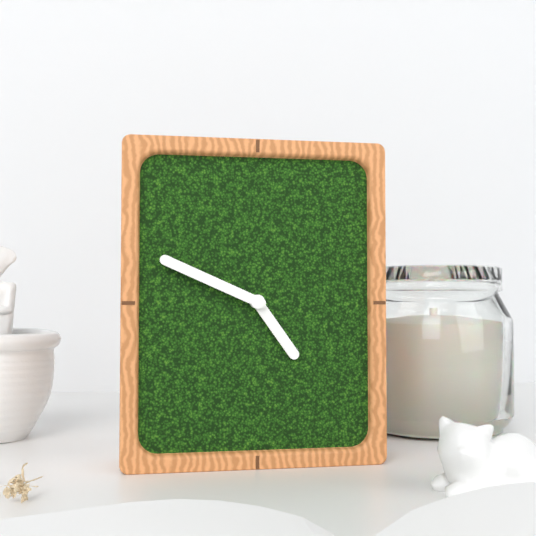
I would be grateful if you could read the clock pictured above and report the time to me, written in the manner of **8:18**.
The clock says **4:49**
